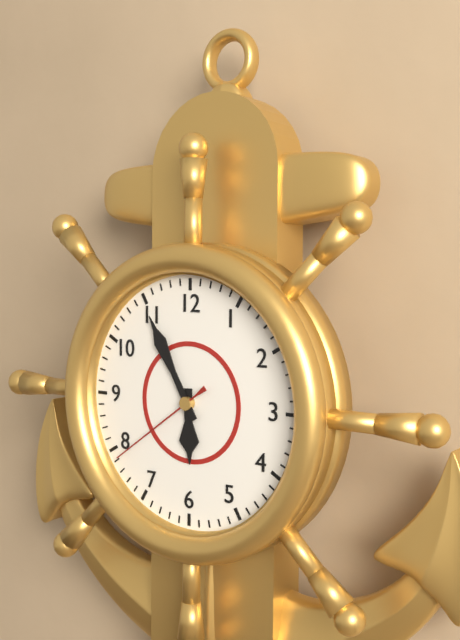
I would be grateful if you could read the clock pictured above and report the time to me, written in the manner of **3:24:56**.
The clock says **5:55:39**
